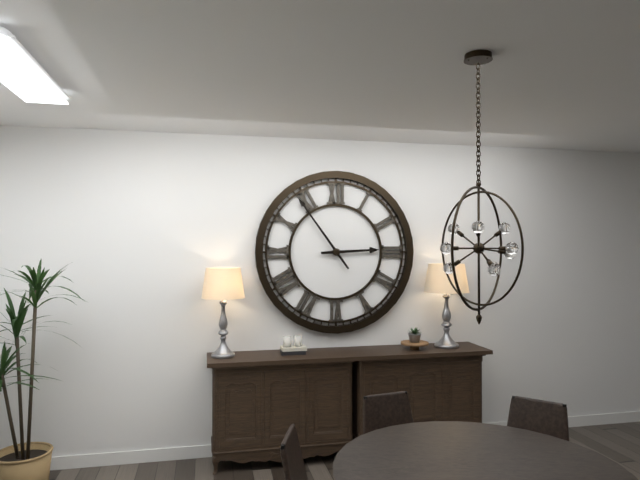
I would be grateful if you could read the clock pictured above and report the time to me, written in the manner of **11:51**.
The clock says **2:54**
